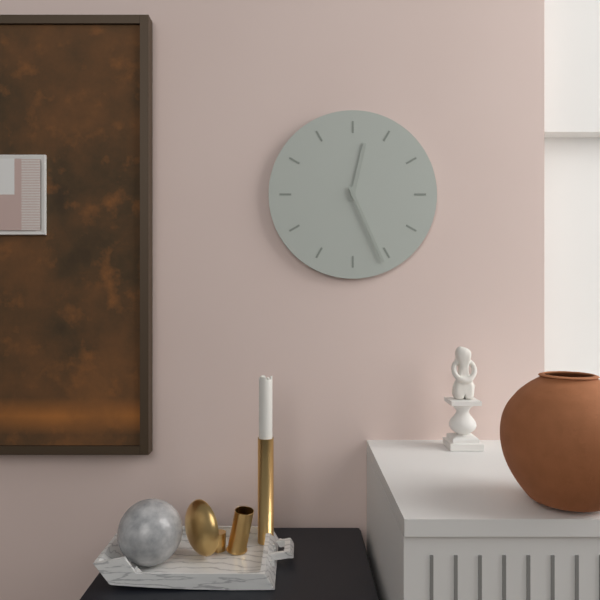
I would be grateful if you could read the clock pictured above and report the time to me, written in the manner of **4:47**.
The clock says **12:26**
